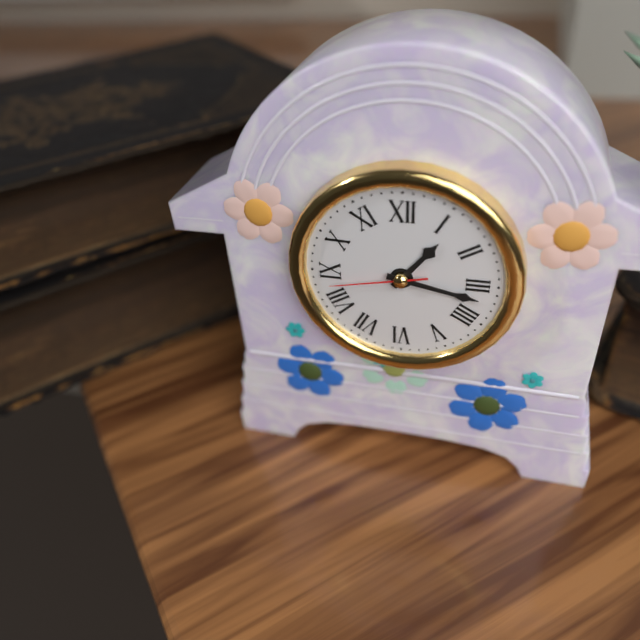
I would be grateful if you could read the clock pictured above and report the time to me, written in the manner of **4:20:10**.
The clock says **1:17:43**
